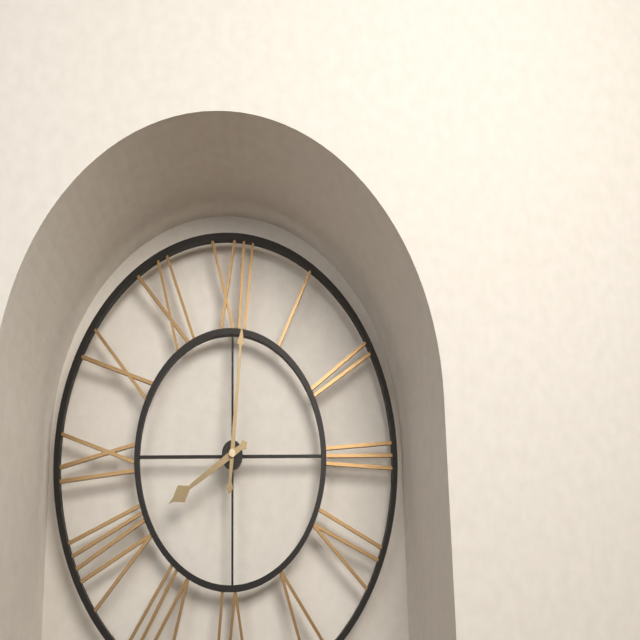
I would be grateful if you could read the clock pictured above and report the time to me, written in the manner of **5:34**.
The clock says **8:01**
